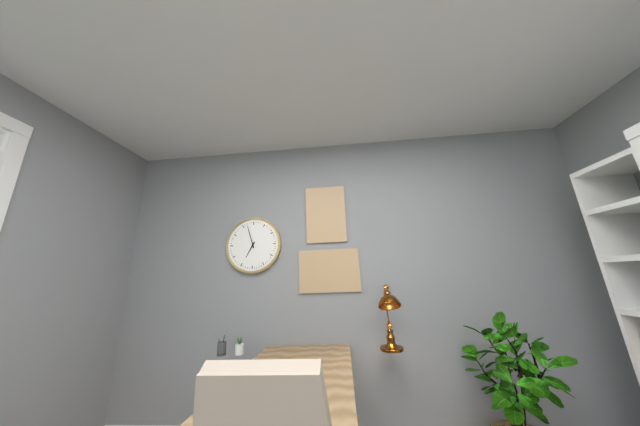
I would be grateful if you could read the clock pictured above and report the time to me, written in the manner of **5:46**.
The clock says **6:57**
